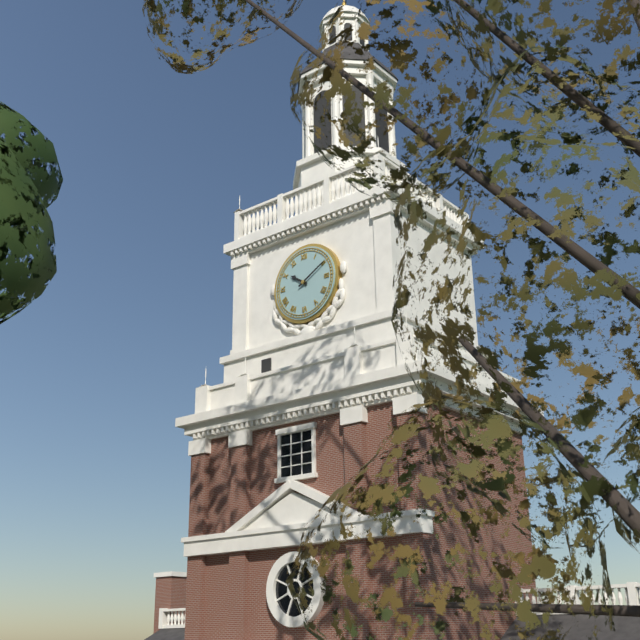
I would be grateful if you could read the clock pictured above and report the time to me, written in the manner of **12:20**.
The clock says **10:10**
